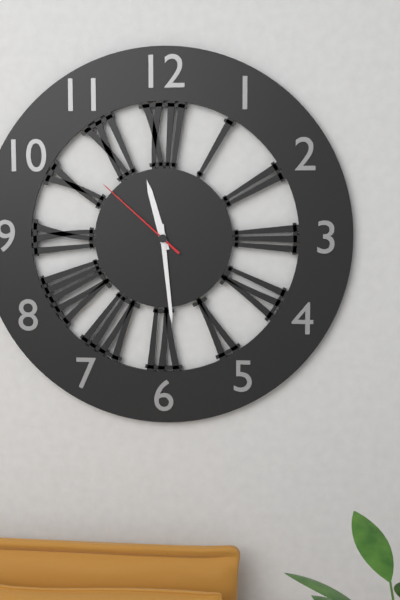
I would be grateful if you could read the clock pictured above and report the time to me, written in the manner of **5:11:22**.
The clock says **11:29:52**
